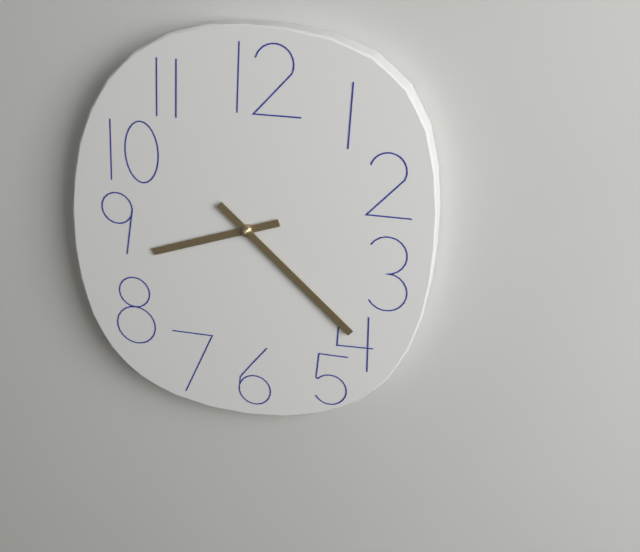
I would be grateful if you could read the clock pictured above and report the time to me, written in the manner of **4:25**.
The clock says **8:22**
